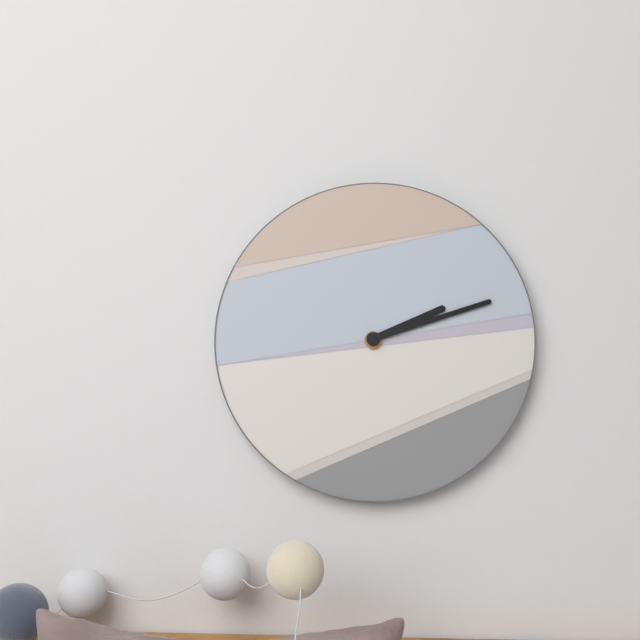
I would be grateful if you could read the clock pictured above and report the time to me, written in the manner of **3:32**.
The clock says **2:12**
